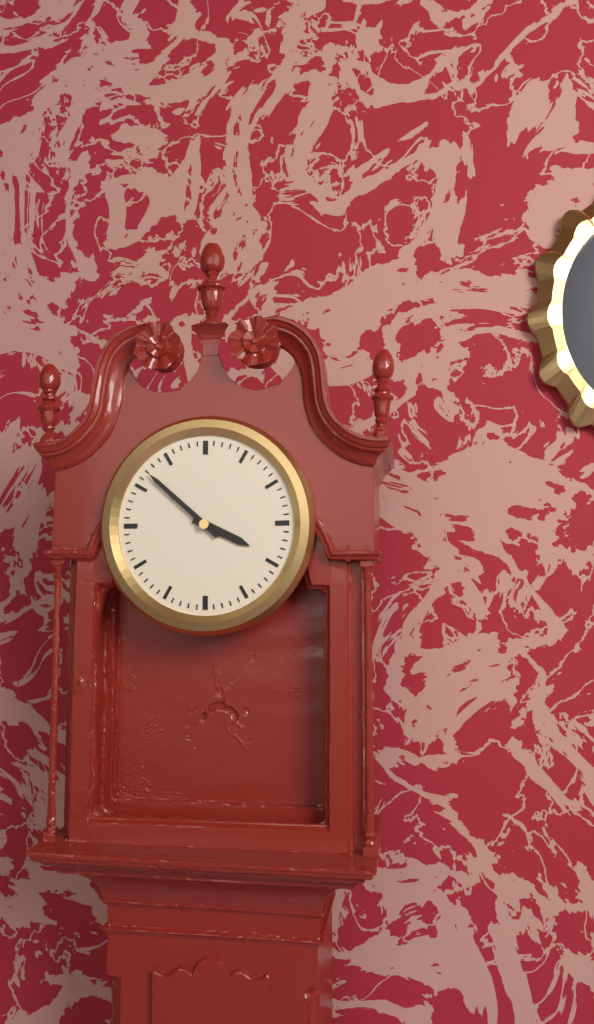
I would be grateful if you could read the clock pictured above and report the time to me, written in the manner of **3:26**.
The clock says **3:52**
